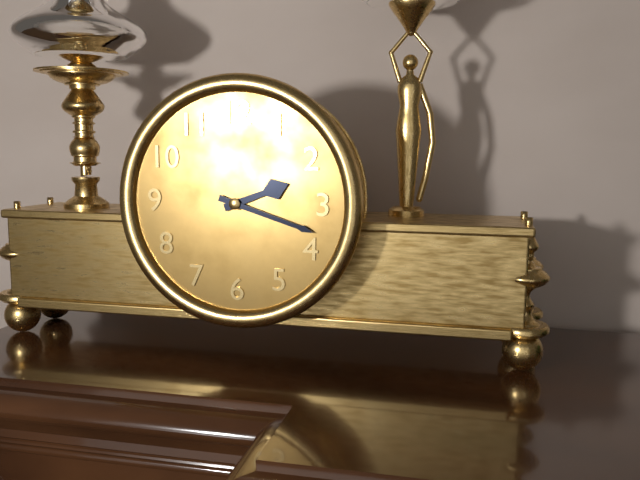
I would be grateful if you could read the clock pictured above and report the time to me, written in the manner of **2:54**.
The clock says **2:18**
